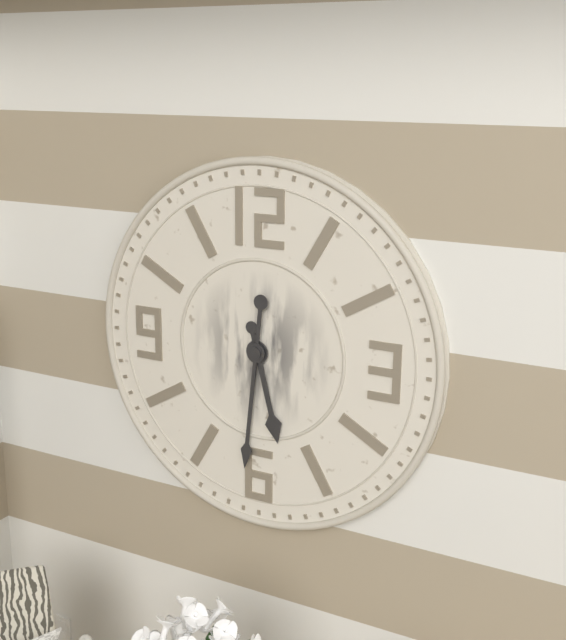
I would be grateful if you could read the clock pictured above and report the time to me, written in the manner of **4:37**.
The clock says **5:31**
